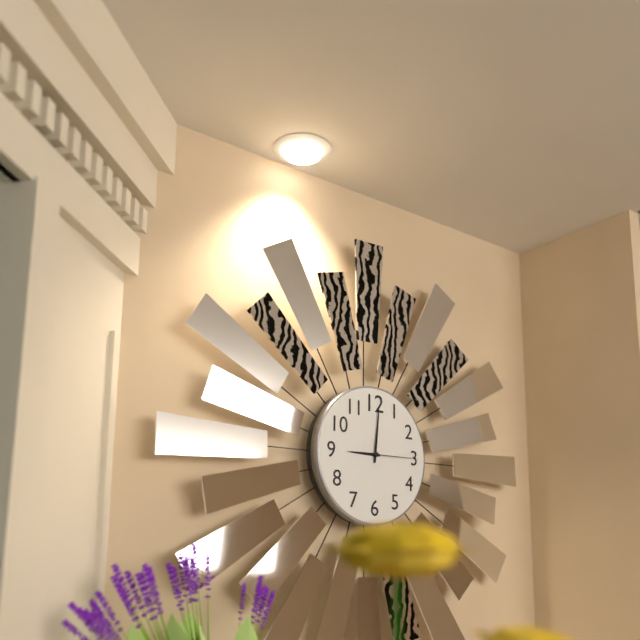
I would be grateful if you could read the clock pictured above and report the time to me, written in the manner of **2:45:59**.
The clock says **9:01:15**
